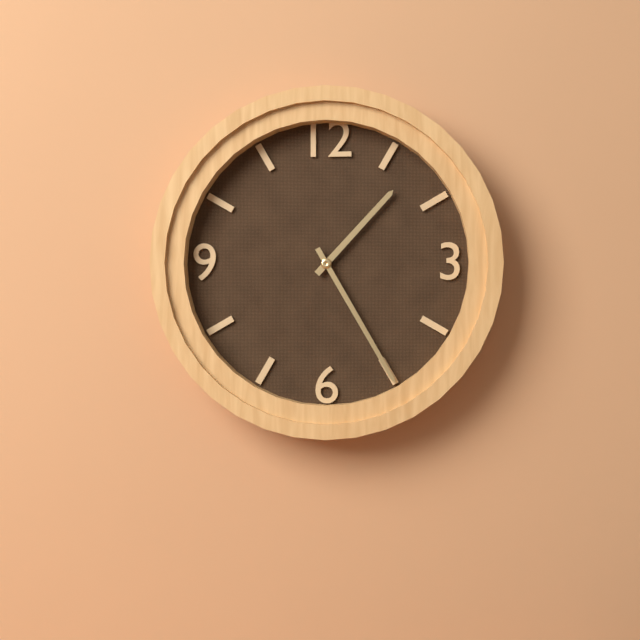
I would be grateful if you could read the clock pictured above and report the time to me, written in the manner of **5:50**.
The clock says **1:25**
